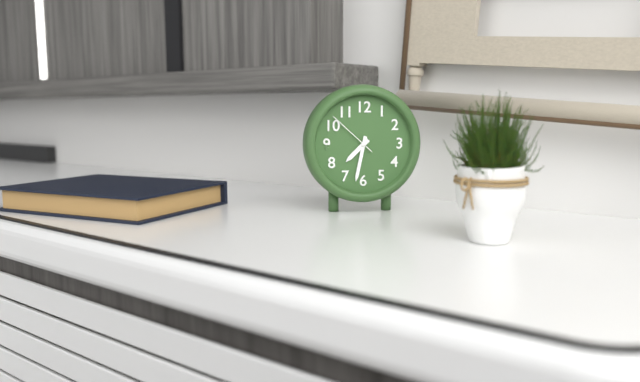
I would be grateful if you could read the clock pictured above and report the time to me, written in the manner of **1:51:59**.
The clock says **7:32:52**
